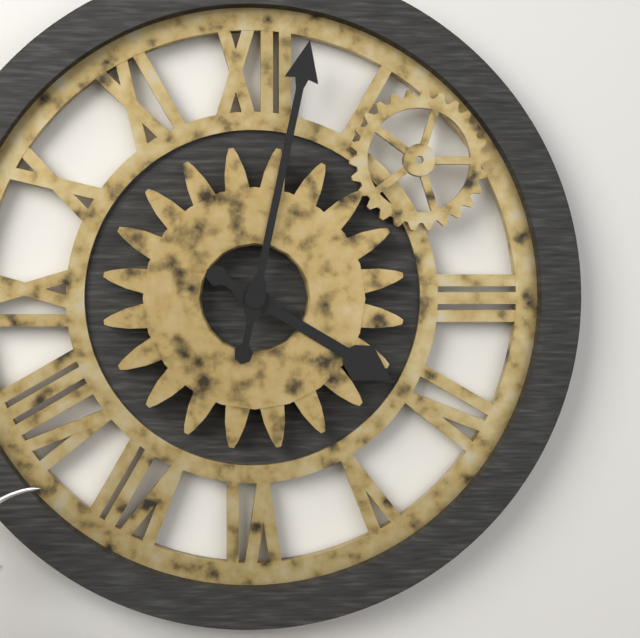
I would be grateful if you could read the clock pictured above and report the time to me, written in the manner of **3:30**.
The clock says **4:02**
